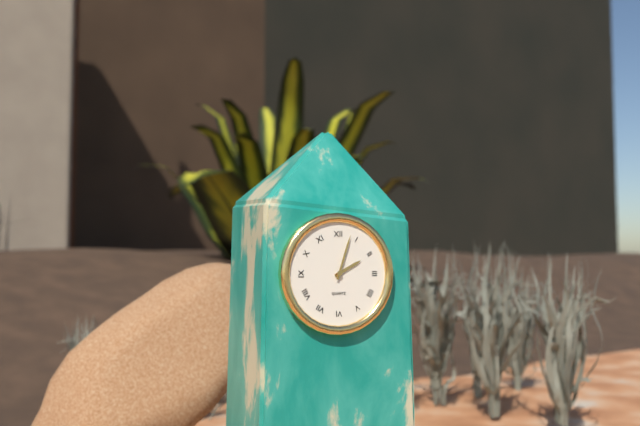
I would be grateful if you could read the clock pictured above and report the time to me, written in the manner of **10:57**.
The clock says **2:03**
